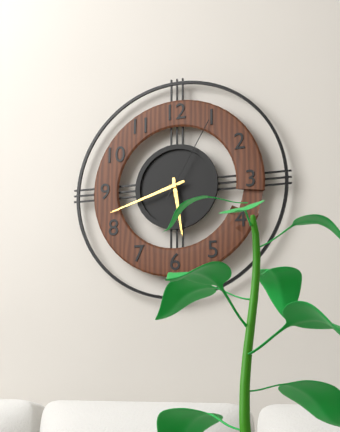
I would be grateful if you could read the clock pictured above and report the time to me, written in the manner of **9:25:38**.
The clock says **5:42:05**
